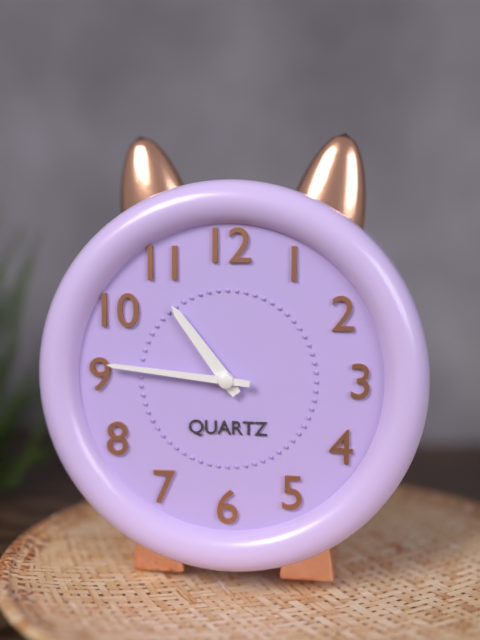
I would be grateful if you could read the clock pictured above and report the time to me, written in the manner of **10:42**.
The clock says **10:46**
